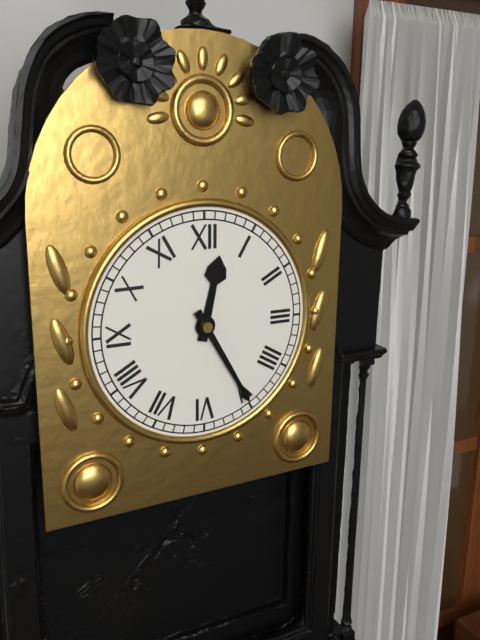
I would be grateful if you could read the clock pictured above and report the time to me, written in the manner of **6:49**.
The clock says **12:25**
